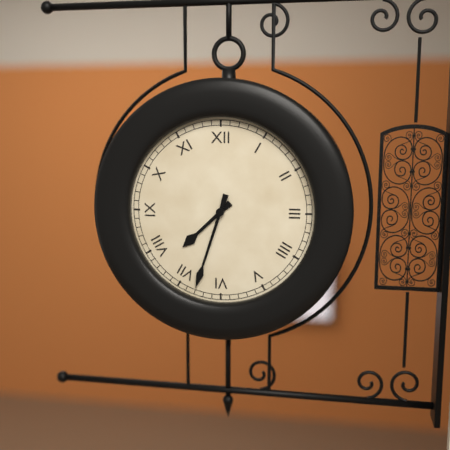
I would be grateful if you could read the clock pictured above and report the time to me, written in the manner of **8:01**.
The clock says **7:33**
